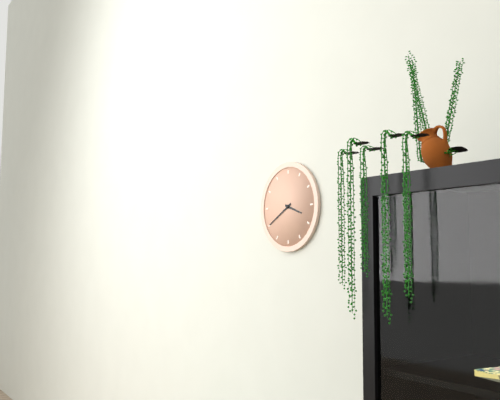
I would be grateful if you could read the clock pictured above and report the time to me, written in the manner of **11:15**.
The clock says **3:40**
